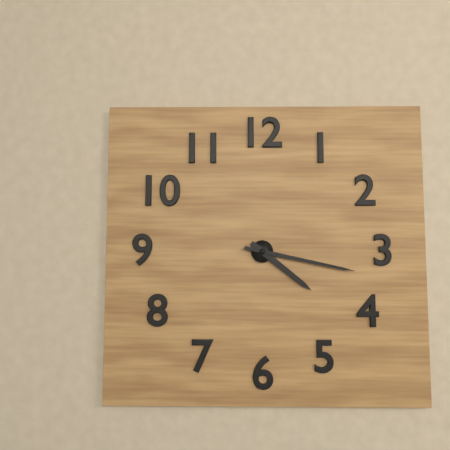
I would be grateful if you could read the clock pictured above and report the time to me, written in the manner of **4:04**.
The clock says **4:17**
